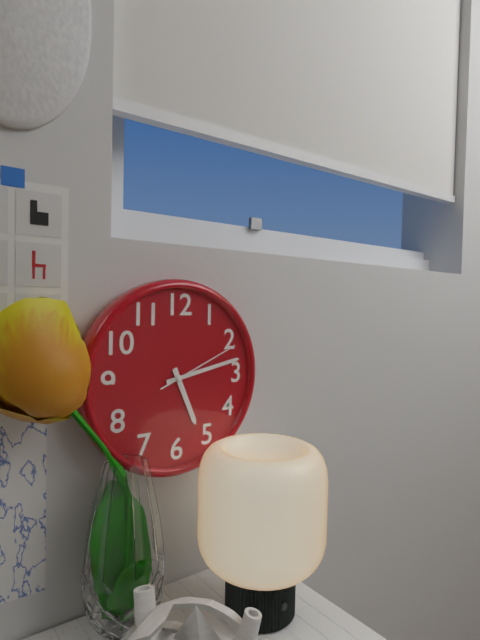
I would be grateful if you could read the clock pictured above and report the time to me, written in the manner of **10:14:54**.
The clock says **5:13:11**
